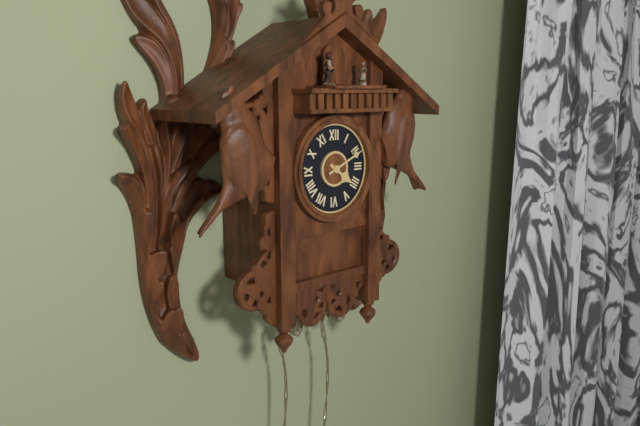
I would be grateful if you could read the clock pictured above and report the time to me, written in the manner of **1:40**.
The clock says **4:11**
